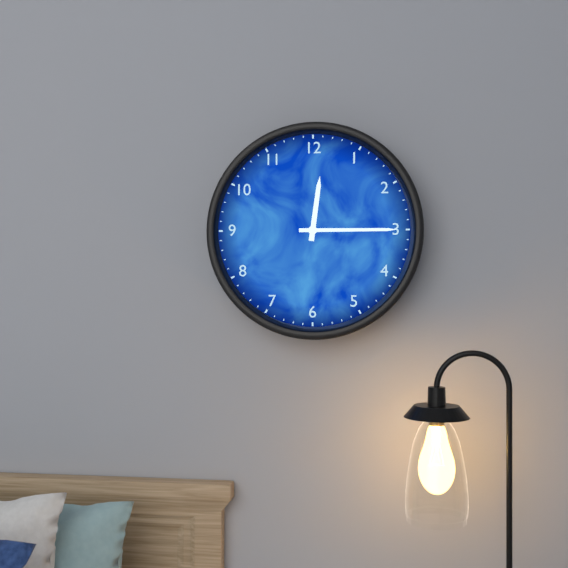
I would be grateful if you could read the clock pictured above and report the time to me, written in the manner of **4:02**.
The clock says **12:15**
